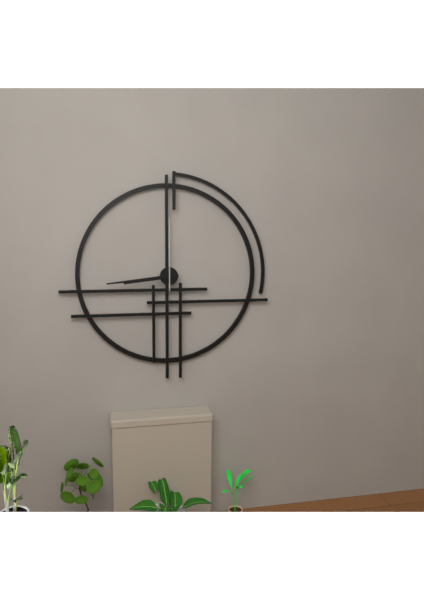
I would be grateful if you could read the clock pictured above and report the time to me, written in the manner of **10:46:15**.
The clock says **8:44:00**
